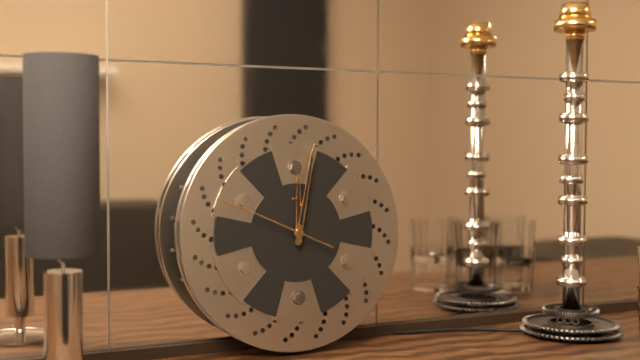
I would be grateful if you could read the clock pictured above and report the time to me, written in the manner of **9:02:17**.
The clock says **12:02:49**
